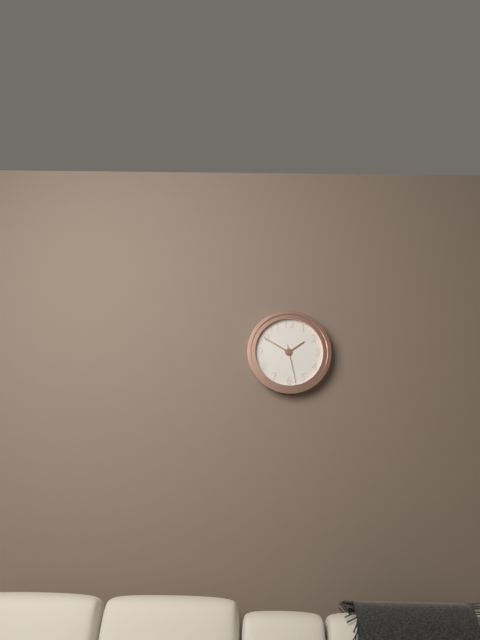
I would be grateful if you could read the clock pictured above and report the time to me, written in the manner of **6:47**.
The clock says **1:50**
